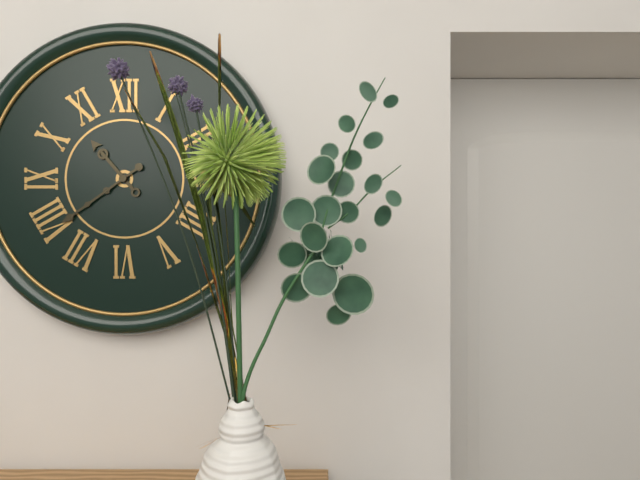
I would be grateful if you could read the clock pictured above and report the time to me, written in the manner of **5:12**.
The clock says **10:39**
